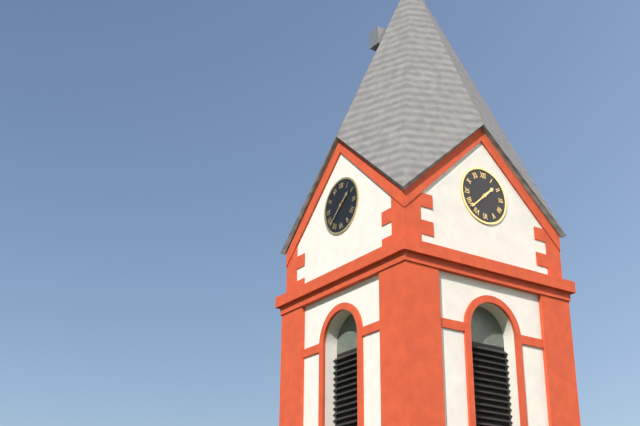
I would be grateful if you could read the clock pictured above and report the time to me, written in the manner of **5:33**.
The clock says **1:38**
